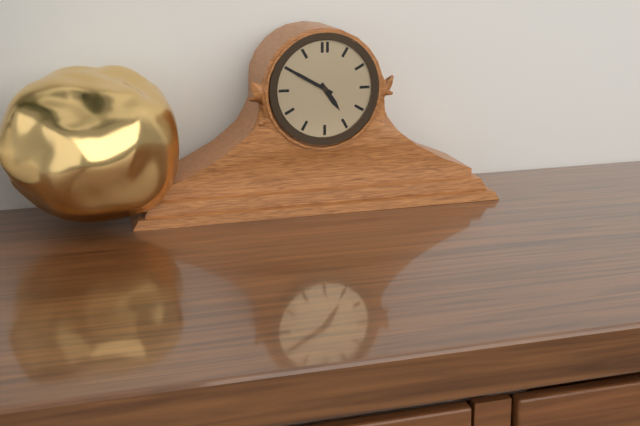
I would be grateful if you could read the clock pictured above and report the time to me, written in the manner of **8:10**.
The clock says **4:50**
